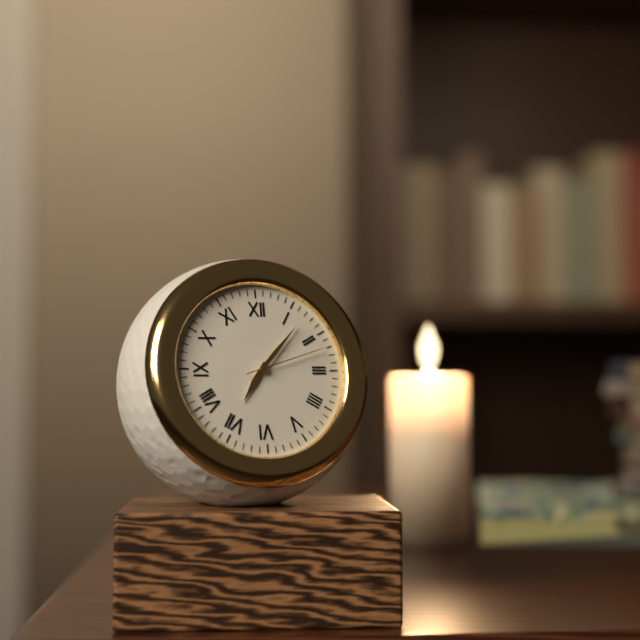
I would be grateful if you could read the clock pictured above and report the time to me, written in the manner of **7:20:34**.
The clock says **7:07:12**
